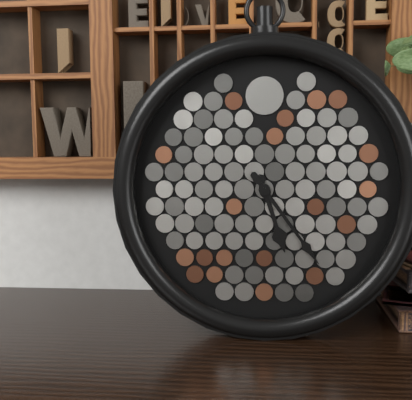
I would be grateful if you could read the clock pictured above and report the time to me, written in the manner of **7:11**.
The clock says **5:24**
